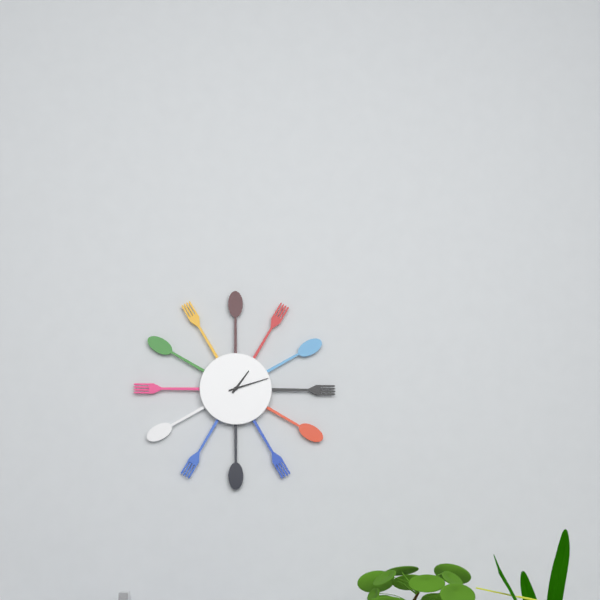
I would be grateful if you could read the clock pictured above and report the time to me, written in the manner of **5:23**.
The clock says **1:12**
